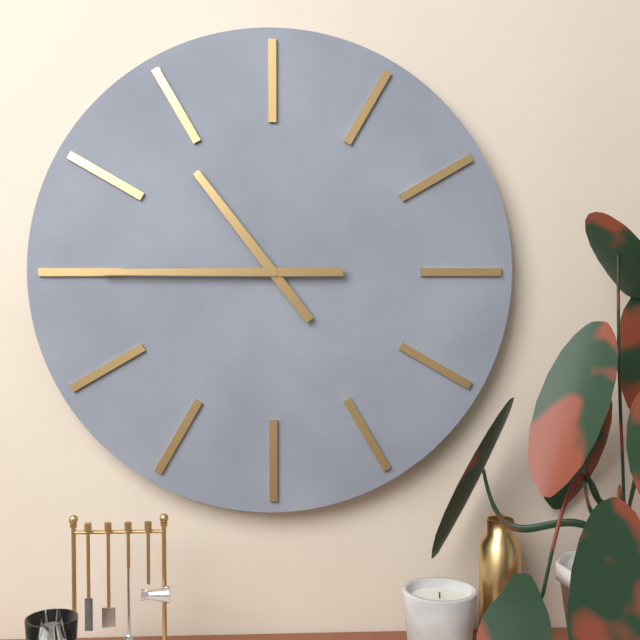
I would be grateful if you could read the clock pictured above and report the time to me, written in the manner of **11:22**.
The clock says **10:45**
